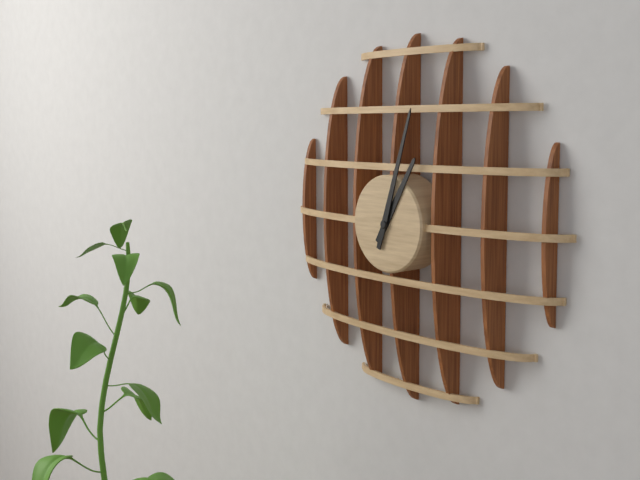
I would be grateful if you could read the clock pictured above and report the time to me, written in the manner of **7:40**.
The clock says **1:03**
